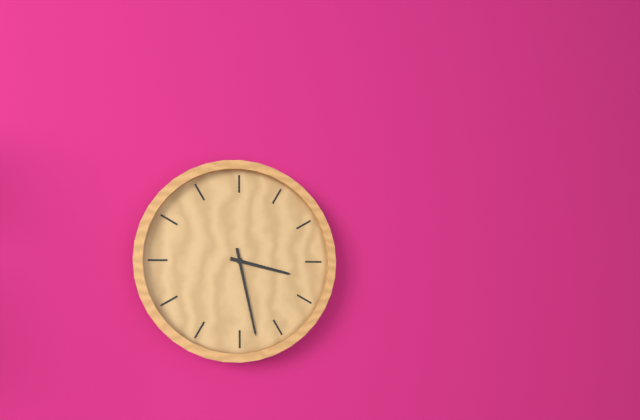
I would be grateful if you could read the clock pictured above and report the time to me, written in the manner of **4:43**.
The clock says **3:28**
